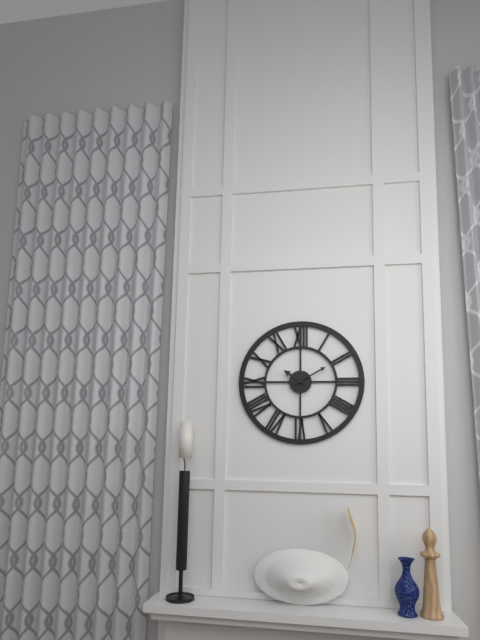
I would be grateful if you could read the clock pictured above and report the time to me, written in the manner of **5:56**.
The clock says **10:10**
